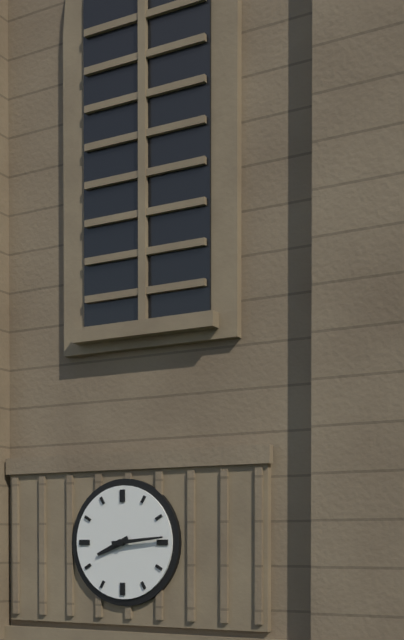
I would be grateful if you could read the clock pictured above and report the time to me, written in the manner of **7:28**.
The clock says **8:14**
